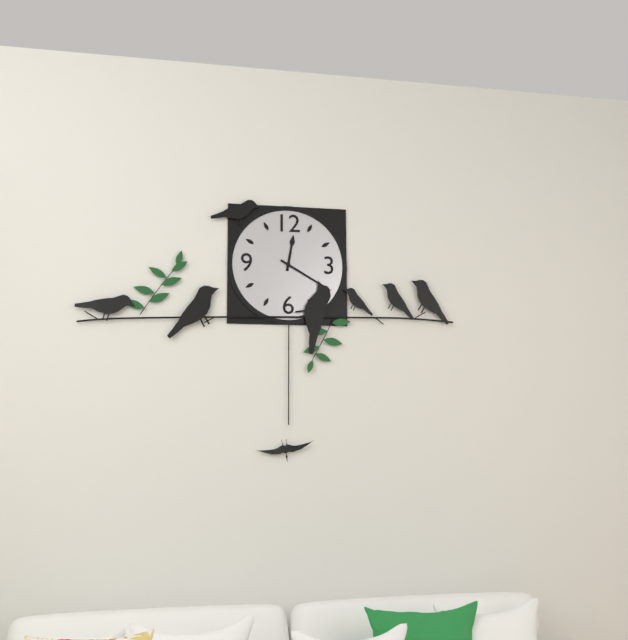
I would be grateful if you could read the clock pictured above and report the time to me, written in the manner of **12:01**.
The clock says **12:20**
